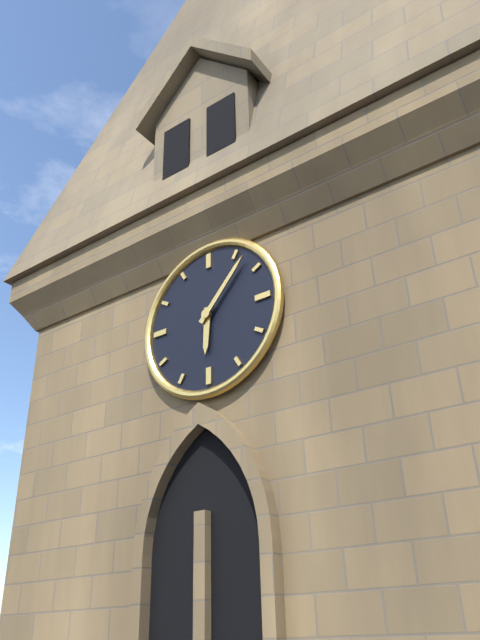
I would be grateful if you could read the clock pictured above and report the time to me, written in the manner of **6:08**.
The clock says **6:07**
